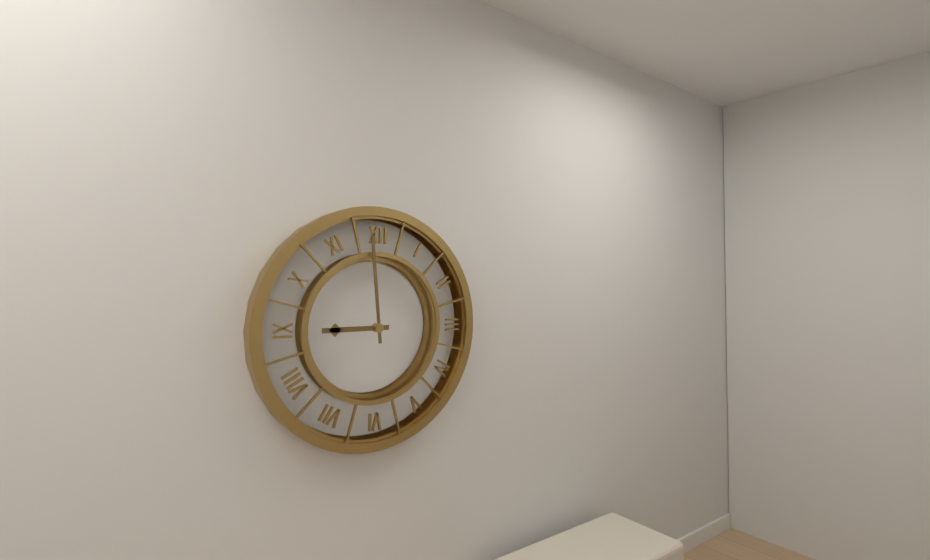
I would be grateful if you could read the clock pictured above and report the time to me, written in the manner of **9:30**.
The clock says **8:59**
